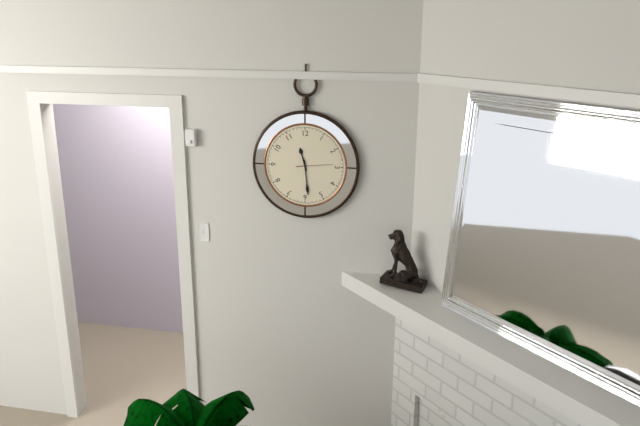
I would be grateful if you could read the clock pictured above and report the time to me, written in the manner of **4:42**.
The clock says **11:29**
